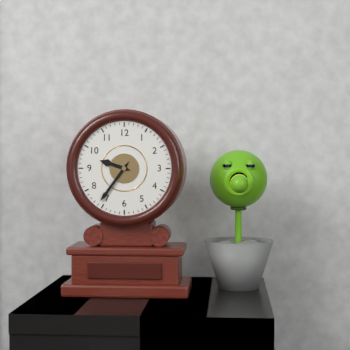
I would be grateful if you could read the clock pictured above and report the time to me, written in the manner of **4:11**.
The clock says **9:36**
